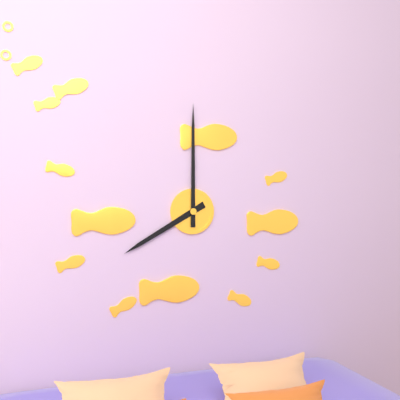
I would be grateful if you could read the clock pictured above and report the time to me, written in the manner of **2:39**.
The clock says **8:00**
